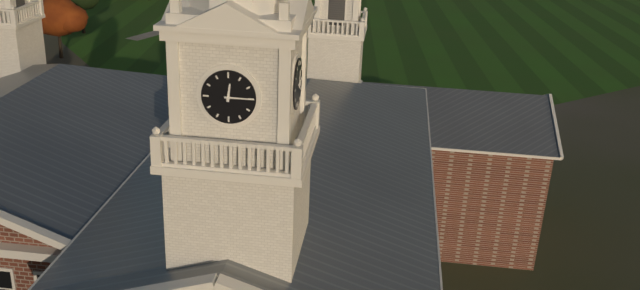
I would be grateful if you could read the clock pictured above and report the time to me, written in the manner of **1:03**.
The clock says **12:15**
